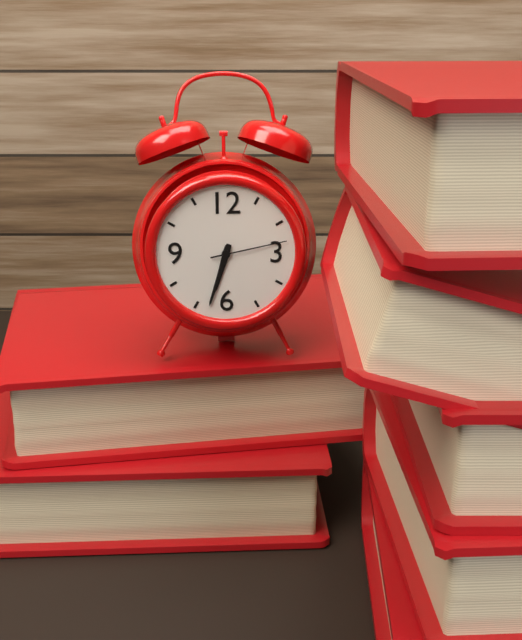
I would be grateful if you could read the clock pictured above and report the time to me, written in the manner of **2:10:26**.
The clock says **6:33:13**
